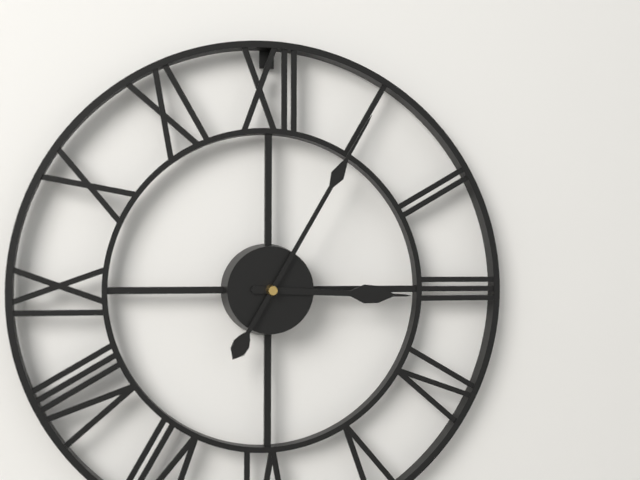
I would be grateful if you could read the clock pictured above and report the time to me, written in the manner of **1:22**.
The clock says **3:05**
